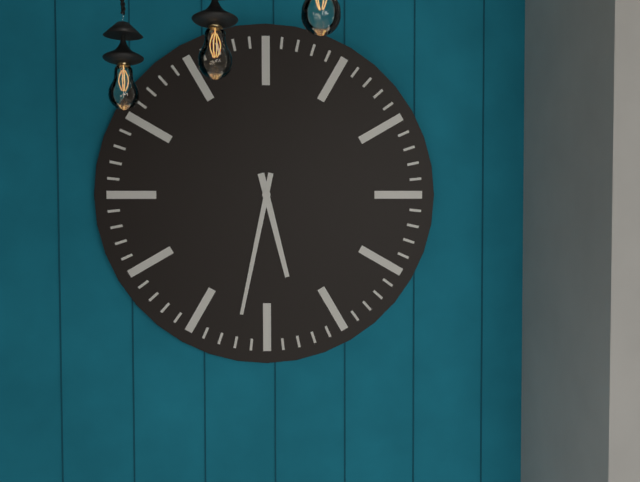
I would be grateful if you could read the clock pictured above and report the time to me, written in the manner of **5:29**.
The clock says **5:32**
